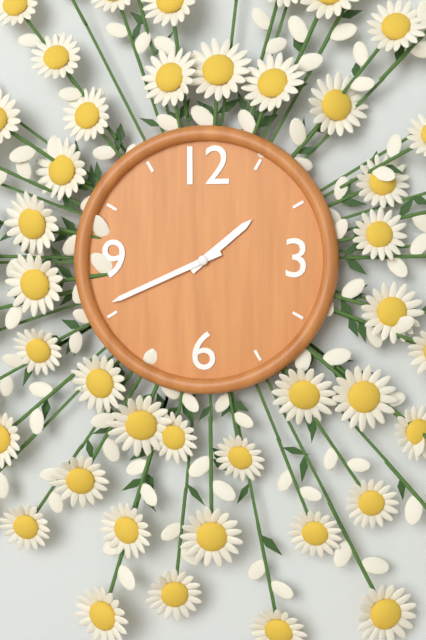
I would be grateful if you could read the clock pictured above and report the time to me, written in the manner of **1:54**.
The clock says **1:41**
